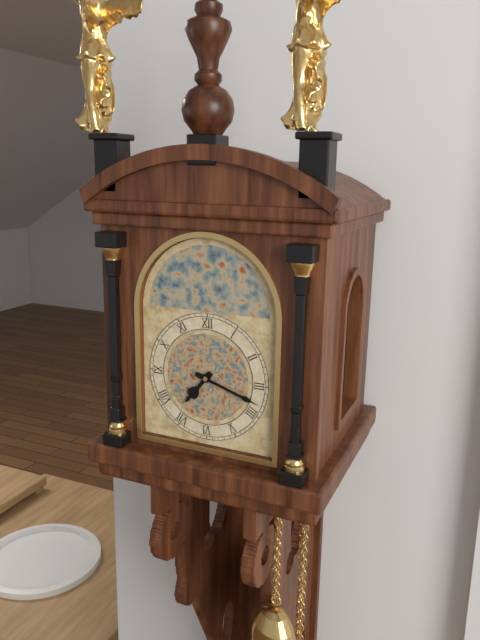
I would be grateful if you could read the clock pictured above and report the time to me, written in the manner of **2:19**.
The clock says **7:18**
